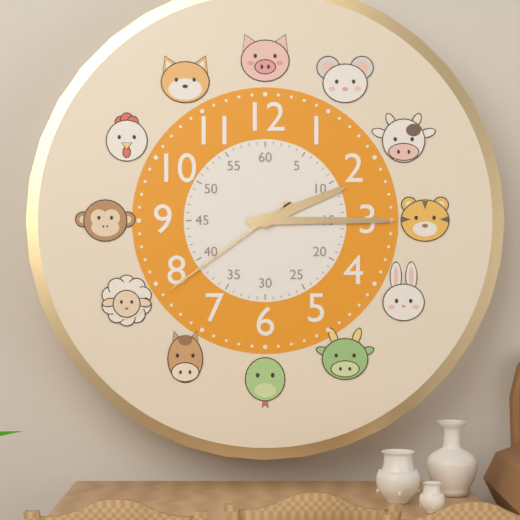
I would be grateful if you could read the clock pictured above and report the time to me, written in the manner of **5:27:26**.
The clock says **2:15:39**
